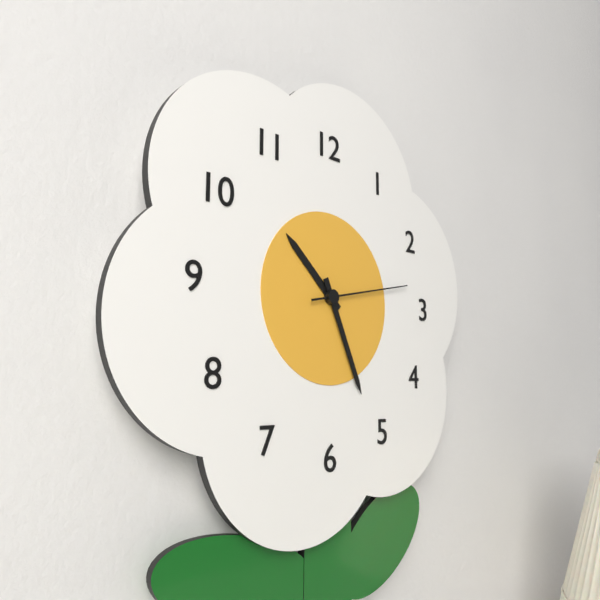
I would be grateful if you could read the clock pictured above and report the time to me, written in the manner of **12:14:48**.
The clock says **10:26:13**
